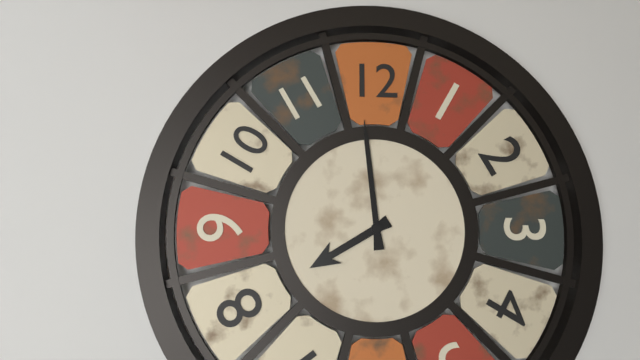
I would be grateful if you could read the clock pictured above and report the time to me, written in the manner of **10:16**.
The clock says **7:59**
